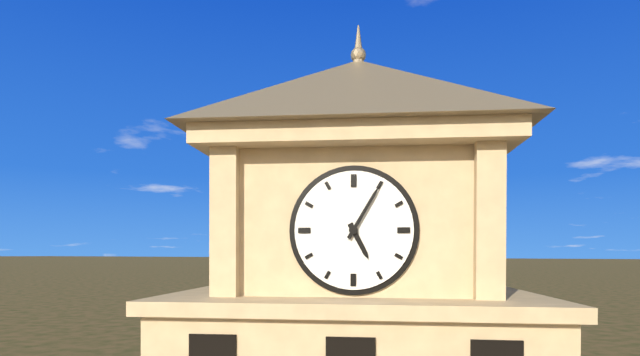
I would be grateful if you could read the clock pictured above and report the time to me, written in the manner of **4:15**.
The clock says **5:05**
